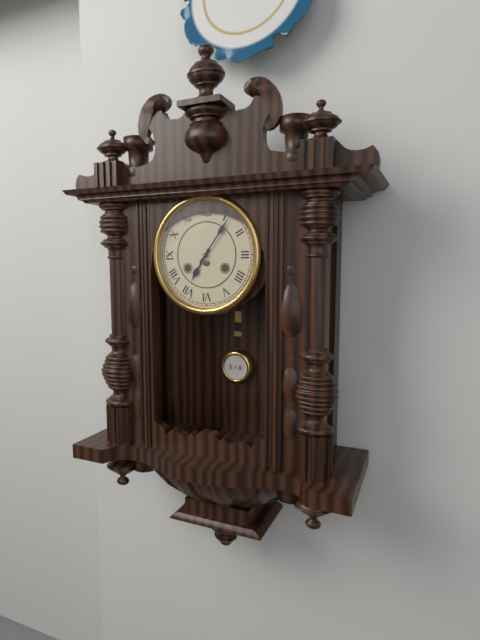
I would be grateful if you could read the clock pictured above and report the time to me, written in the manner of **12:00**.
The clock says **7:06**
